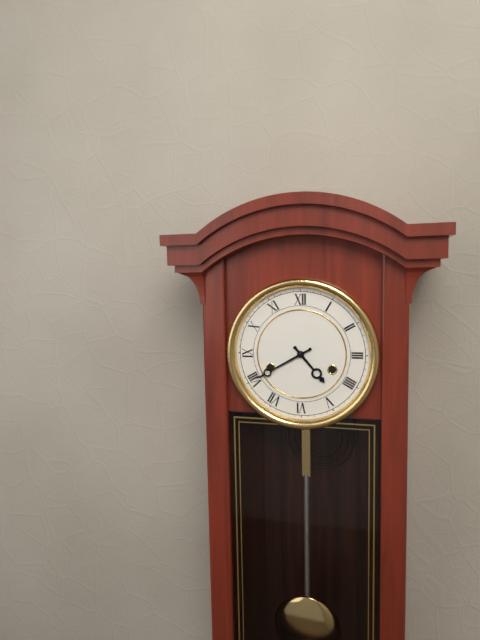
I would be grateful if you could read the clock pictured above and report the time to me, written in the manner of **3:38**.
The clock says **4:40**
